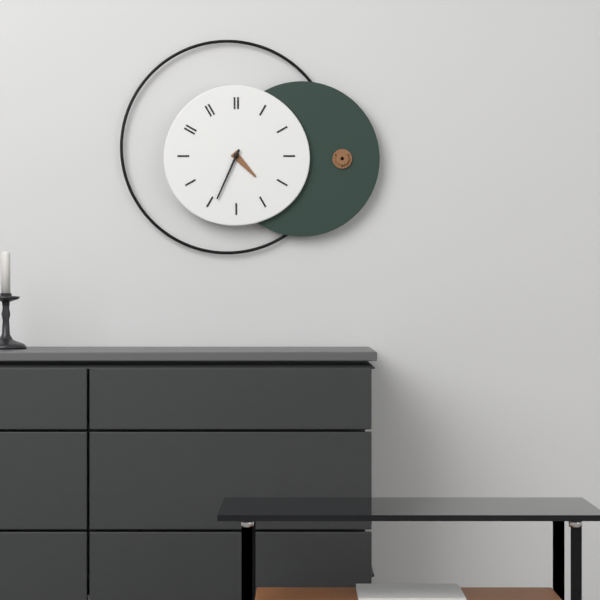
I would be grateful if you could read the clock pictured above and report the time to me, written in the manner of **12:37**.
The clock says **4:34**
